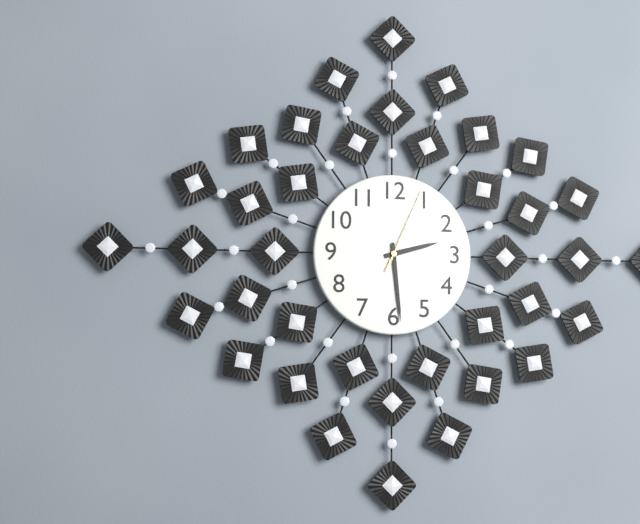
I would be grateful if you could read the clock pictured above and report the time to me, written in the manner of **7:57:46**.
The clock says **2:29:04**
